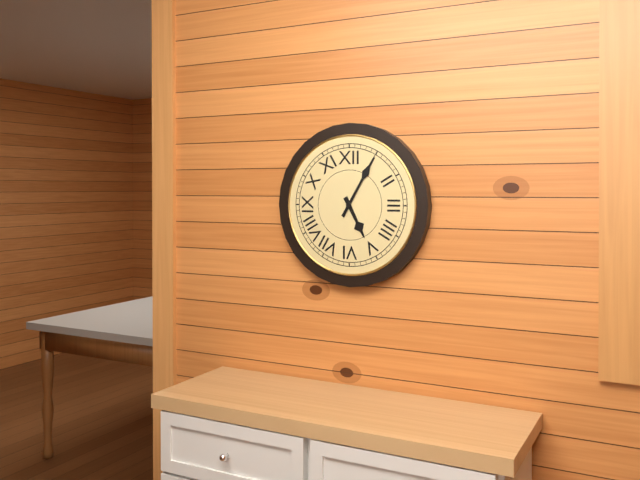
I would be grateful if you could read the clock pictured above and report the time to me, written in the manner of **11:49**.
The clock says **5:05**
